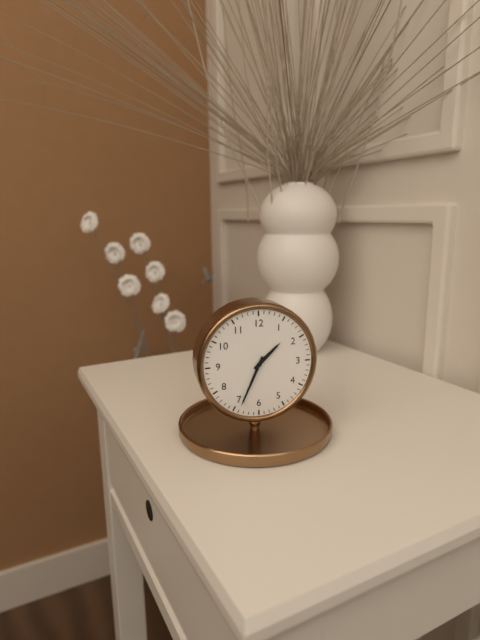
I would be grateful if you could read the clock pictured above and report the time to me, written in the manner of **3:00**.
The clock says **1:34**
